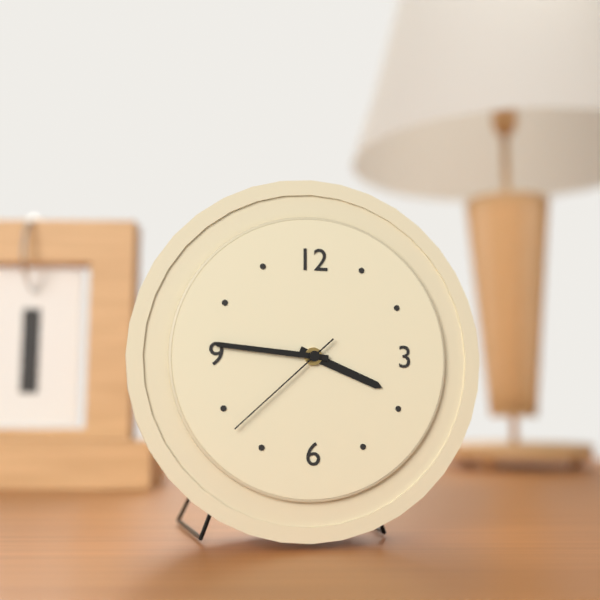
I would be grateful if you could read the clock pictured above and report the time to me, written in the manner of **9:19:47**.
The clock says **3:46:38**
